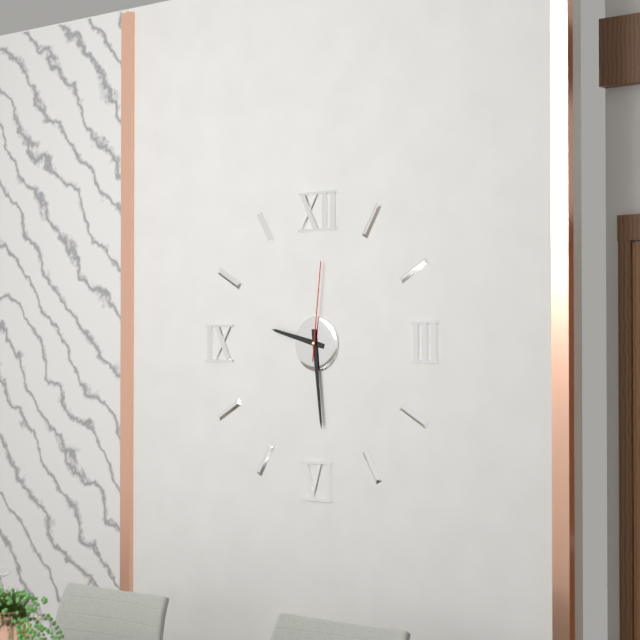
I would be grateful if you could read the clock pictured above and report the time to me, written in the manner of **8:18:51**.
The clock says **9:29:01**
